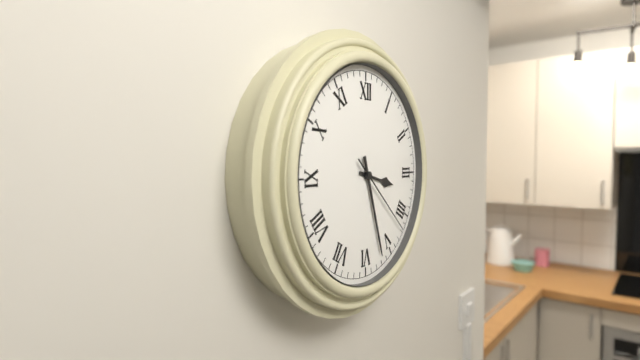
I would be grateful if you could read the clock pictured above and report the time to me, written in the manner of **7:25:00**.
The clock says **3:27:22**
